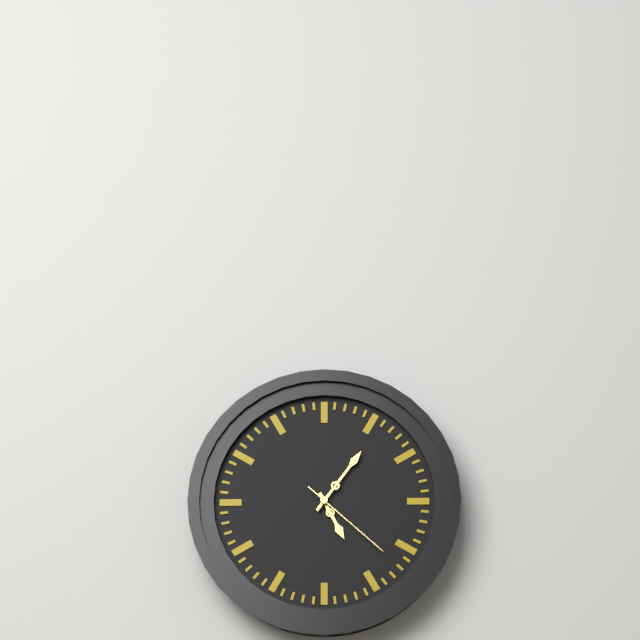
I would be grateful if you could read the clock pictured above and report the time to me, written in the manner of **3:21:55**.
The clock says **5:06:22**
